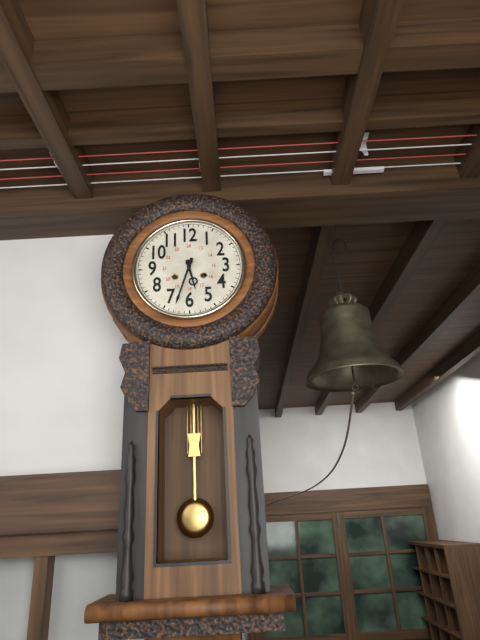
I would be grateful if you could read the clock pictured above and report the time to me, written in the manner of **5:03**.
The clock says **5:33**
